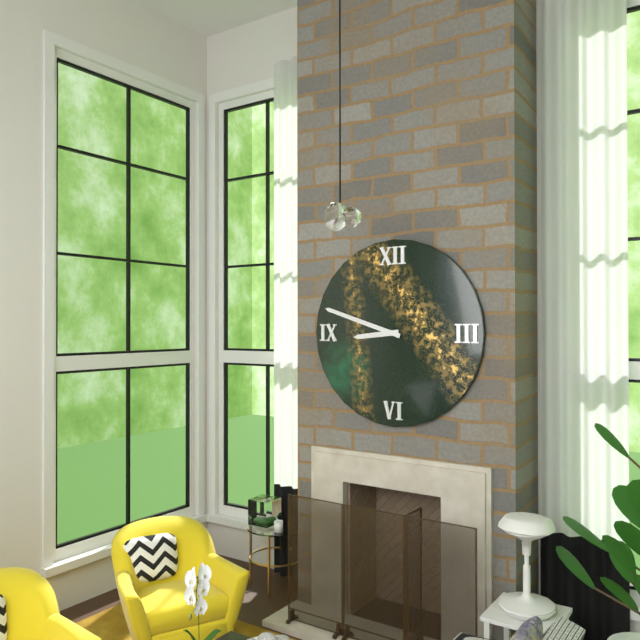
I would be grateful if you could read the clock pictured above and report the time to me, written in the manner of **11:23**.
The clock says **8:48**
